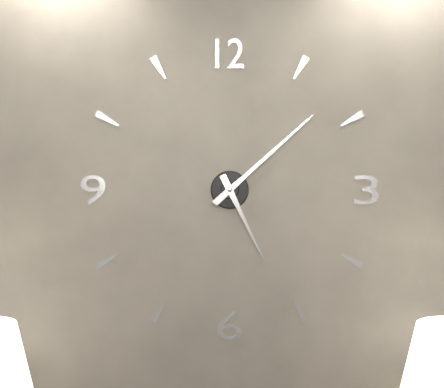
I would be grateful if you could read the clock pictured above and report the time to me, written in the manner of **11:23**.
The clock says **5:08**
